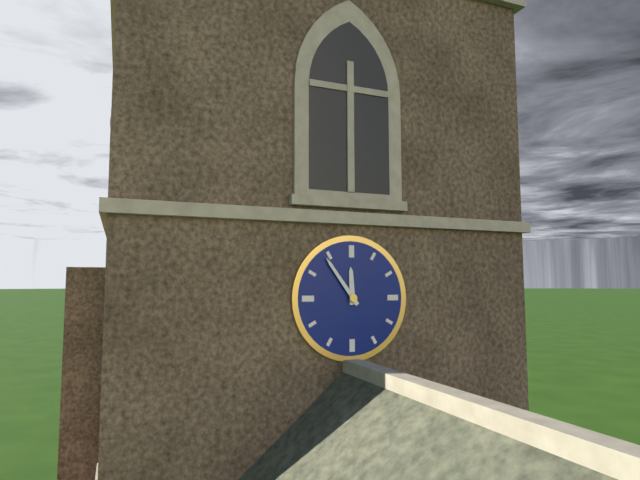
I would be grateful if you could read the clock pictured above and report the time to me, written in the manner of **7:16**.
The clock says **11:54**
